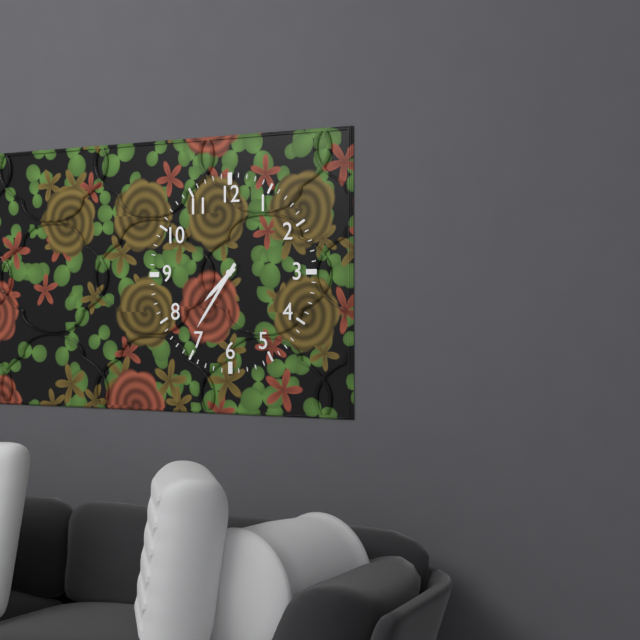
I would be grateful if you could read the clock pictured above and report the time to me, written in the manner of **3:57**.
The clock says **7:36**
